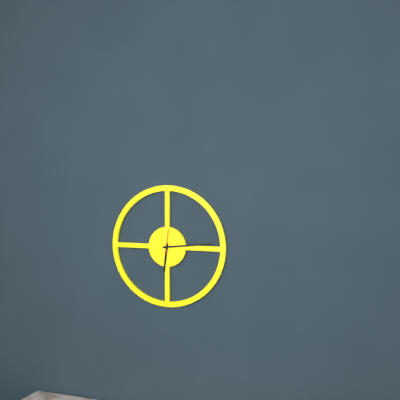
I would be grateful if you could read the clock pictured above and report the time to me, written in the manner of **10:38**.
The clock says **6:14**
